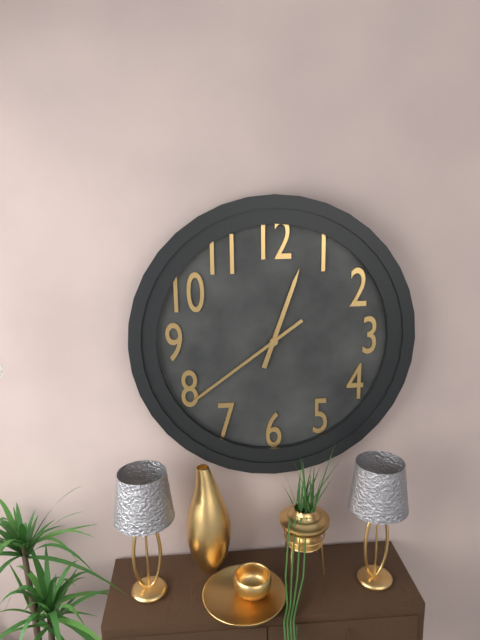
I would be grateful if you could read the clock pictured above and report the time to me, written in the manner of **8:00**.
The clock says **12:39**
